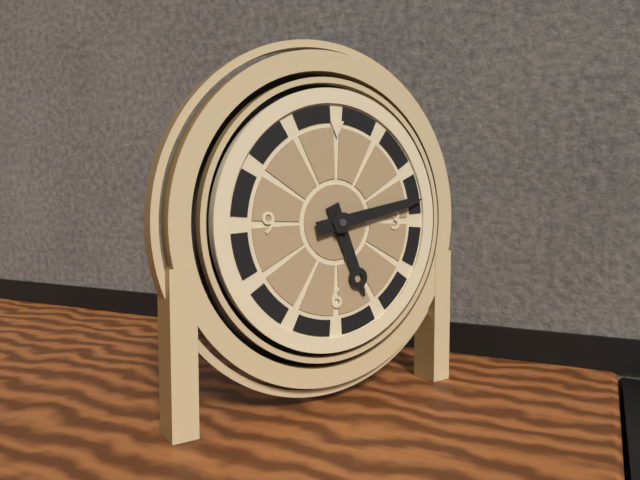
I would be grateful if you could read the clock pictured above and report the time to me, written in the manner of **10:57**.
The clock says **5:13**
